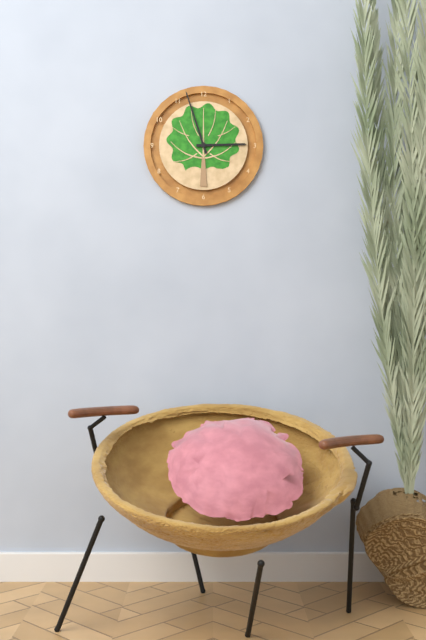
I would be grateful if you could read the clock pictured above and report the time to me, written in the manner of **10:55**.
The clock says **2:57**
